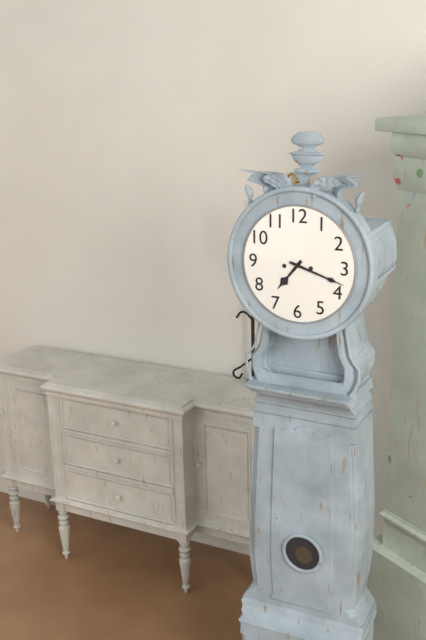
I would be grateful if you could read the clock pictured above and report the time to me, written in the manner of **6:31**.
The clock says **7:18**
